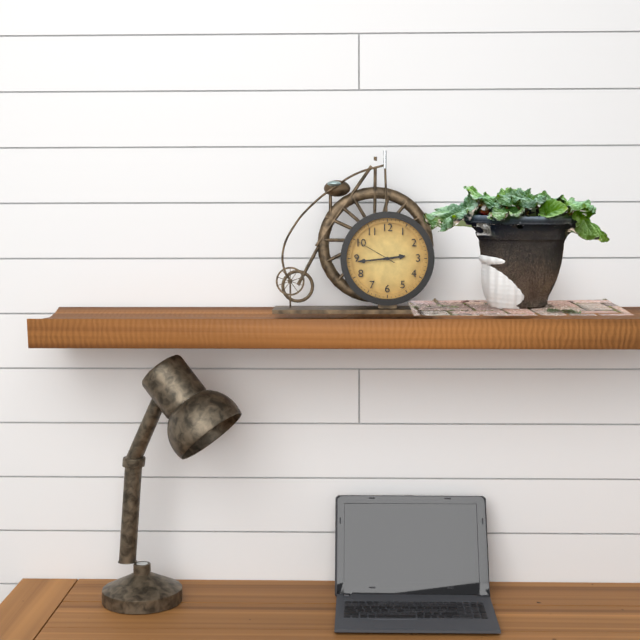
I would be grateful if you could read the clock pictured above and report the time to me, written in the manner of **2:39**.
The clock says **2:44**
